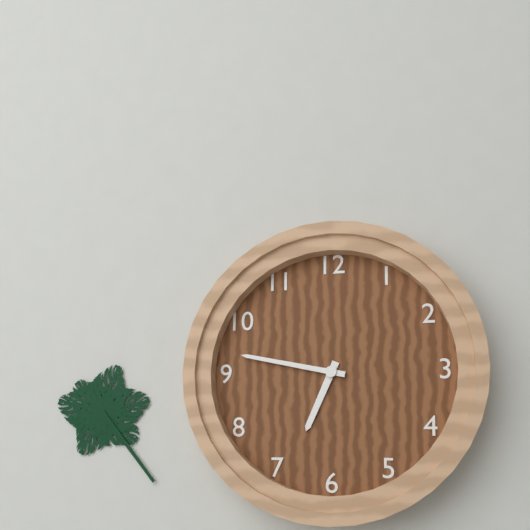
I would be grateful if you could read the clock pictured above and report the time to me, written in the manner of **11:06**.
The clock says **6:47**
